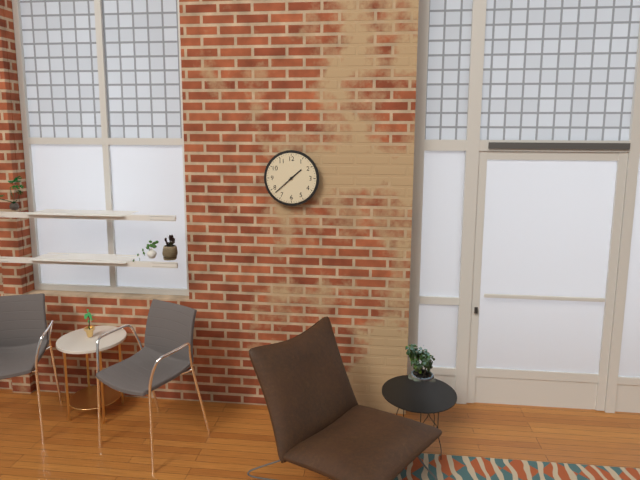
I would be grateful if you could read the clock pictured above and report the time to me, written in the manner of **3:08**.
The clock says **1:38**
